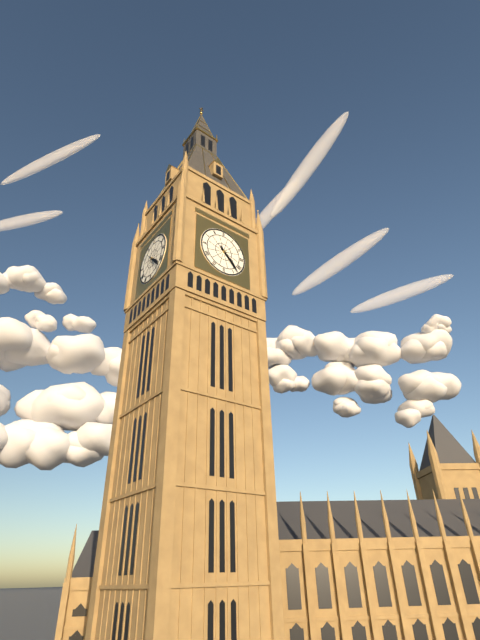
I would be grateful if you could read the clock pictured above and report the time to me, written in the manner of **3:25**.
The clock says **4:23**
